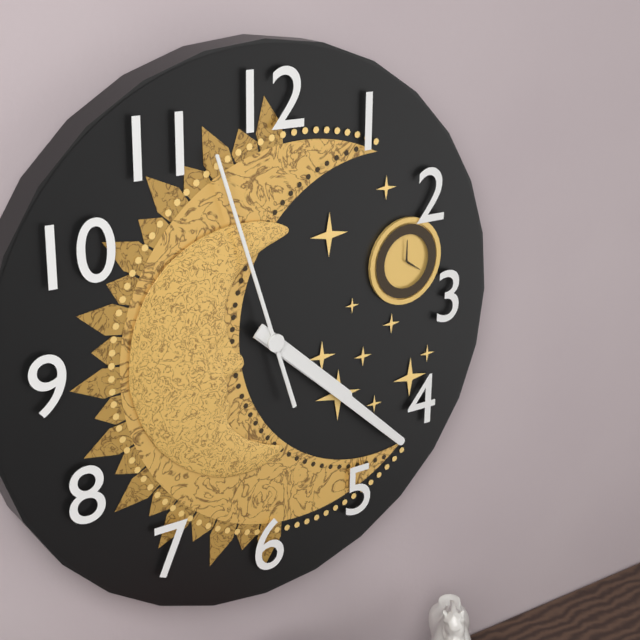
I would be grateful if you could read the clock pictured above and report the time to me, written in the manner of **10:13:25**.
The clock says **4:22:57**
